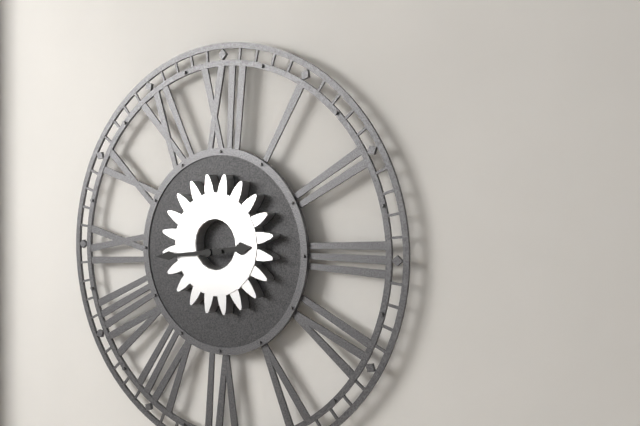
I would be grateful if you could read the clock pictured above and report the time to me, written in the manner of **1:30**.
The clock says **2:44**
